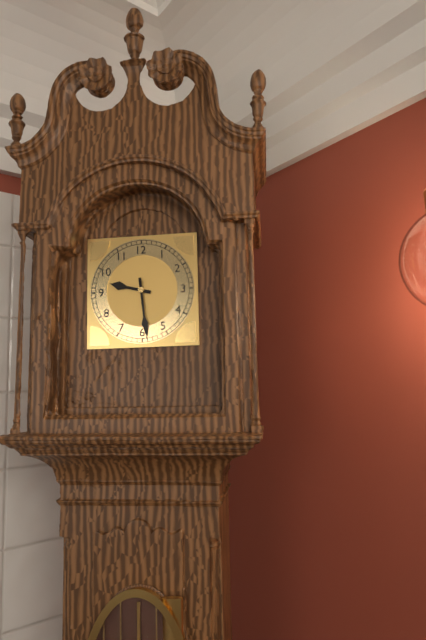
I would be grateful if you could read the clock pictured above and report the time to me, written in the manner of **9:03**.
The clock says **9:29**
